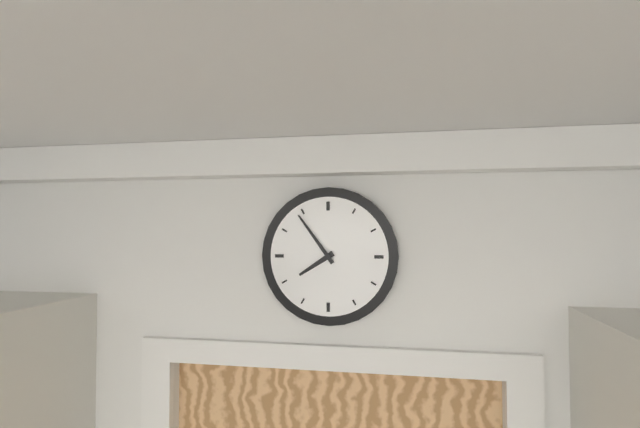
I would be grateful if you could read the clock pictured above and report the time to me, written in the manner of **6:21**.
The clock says **7:54**
